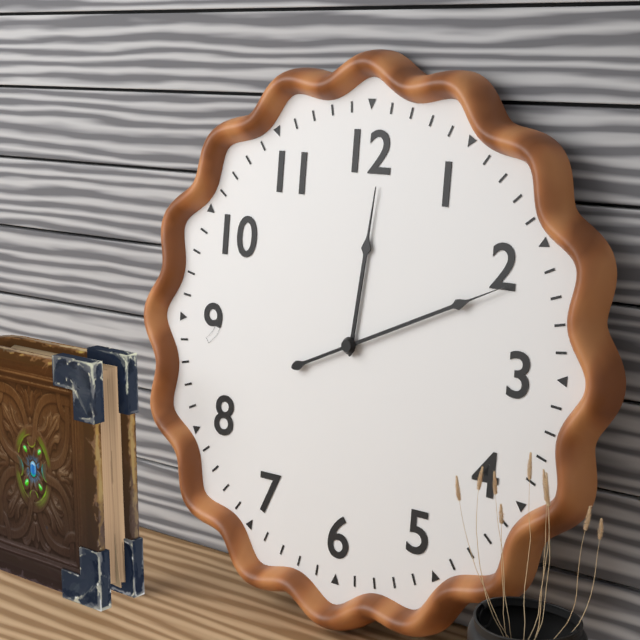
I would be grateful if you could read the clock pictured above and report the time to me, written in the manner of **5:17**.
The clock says **12:11**
